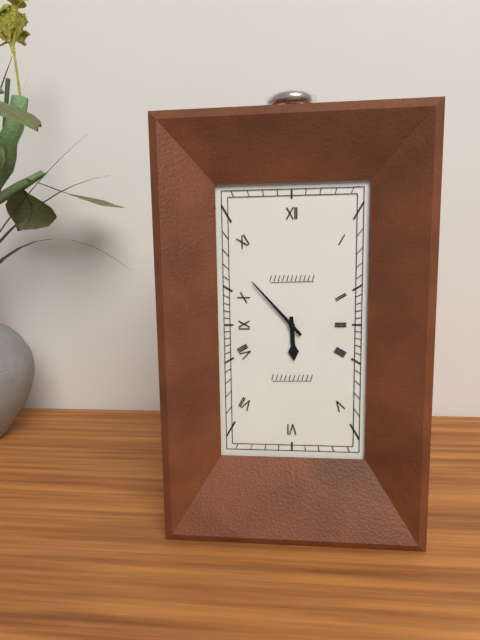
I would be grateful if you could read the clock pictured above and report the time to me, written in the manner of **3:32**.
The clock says **5:53**
